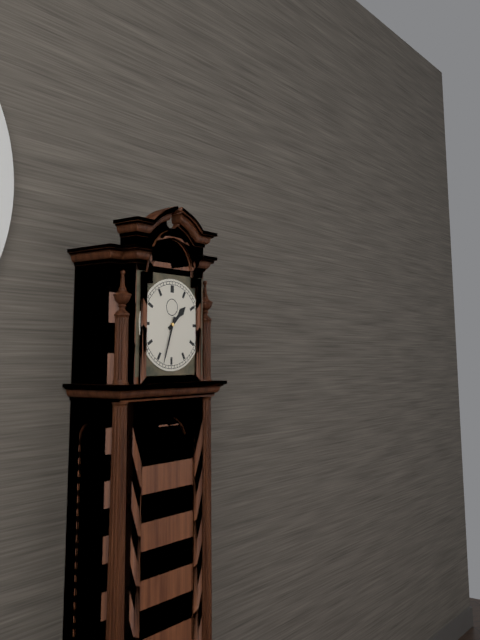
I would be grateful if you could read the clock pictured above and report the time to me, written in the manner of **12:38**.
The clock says **1:33**
